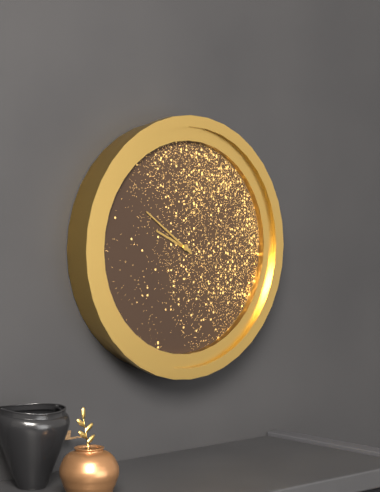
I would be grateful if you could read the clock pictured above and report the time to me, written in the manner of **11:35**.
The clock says **9:51**
